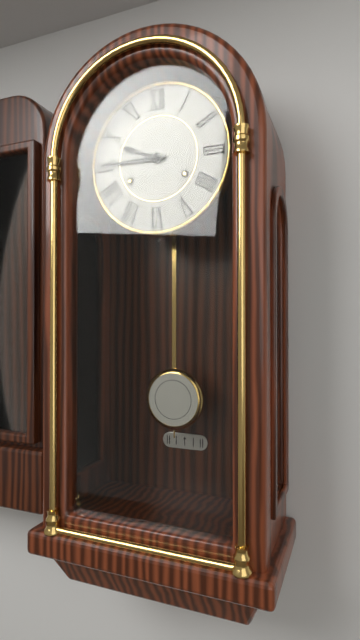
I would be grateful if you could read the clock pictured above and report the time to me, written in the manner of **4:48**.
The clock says **9:45**
